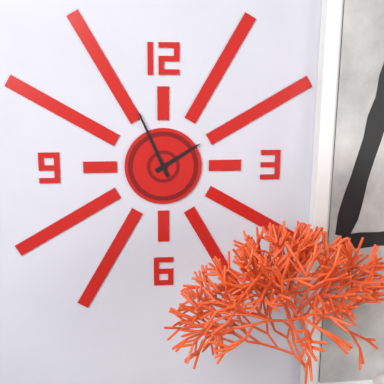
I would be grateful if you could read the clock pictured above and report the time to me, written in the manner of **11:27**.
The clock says **1:56**
